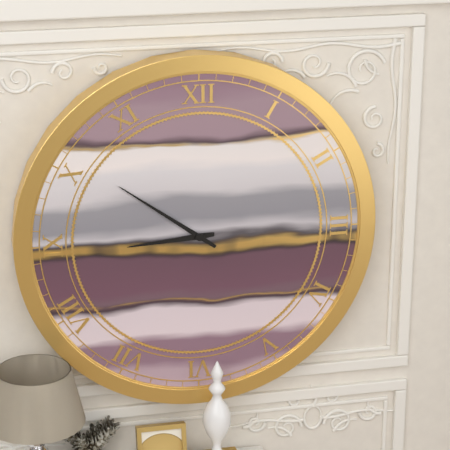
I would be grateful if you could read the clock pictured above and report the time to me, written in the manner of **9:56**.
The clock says **8:51**
